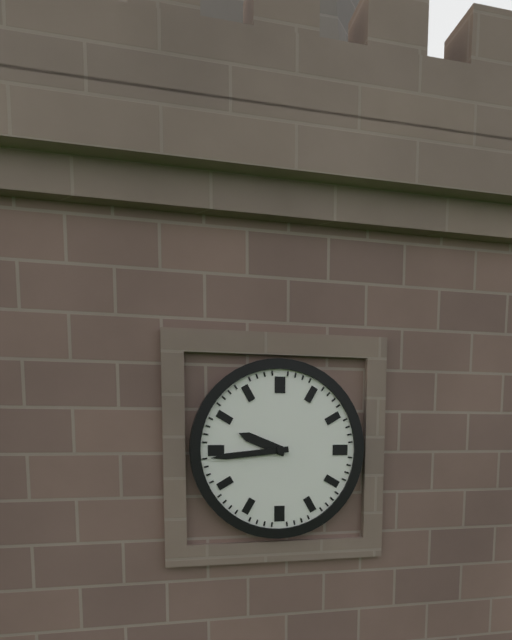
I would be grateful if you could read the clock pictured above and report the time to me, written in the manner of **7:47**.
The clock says **9:44**
